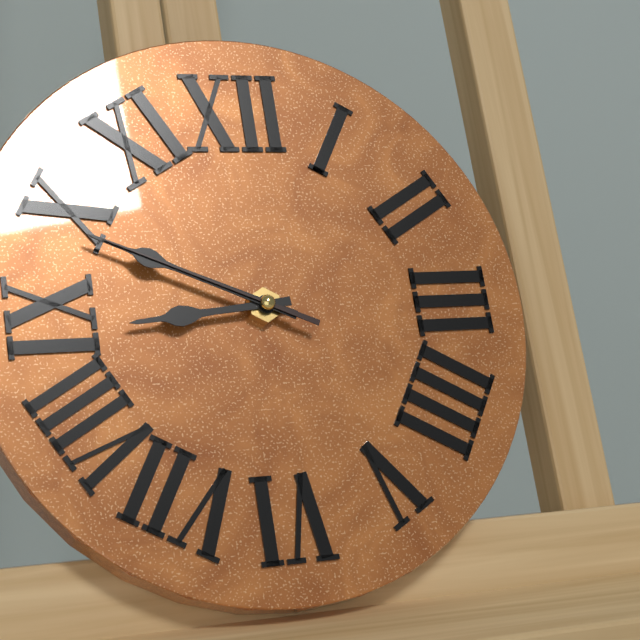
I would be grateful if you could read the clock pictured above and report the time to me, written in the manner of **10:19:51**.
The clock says **8:49:49**
